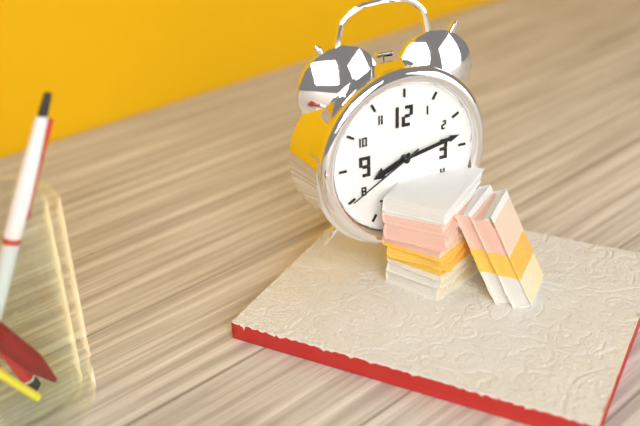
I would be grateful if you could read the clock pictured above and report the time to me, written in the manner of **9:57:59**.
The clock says **8:13:40**
